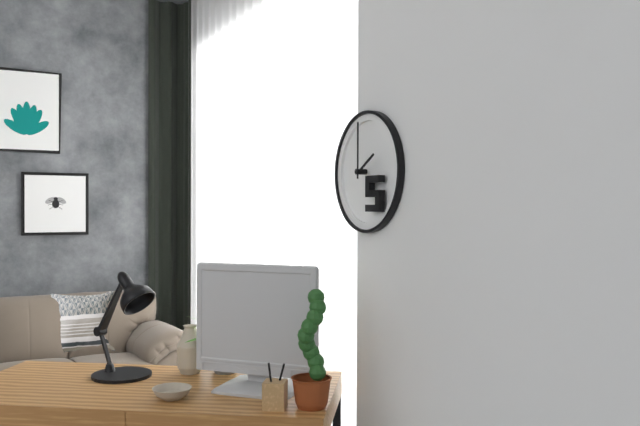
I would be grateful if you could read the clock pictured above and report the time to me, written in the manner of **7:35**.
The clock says **2:00**
